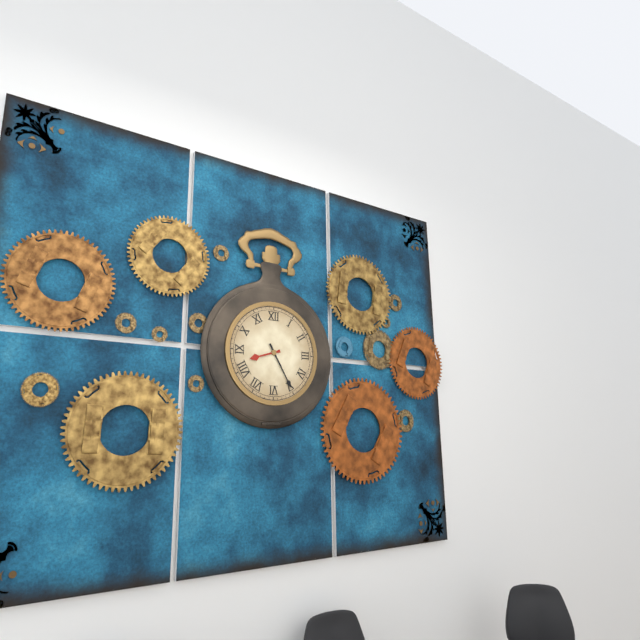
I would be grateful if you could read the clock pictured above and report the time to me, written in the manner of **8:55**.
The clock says **8:25**
